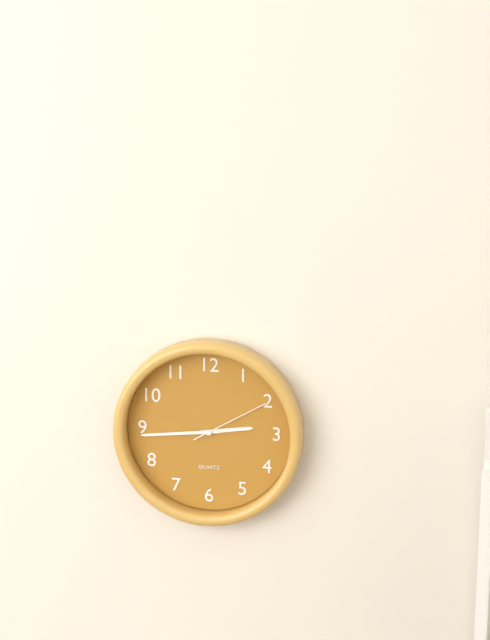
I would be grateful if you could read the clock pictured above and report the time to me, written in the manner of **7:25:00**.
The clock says **2:44:10**
